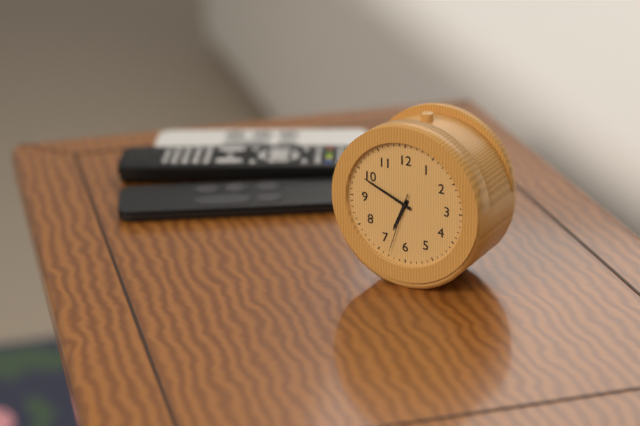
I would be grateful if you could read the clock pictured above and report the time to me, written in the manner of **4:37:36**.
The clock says **6:49:33**
